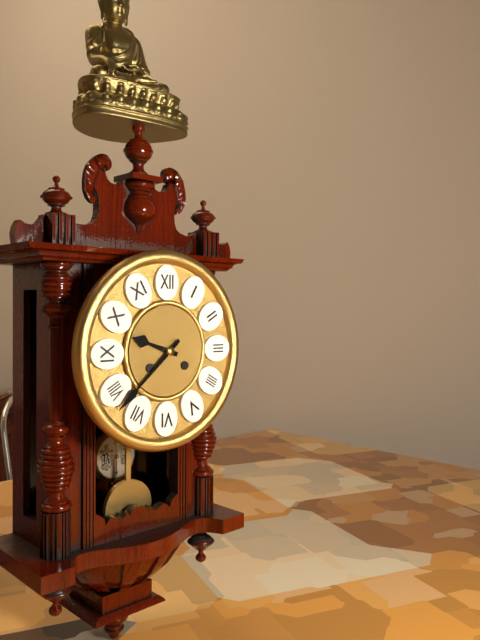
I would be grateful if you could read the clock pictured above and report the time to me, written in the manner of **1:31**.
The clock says **9:38**
